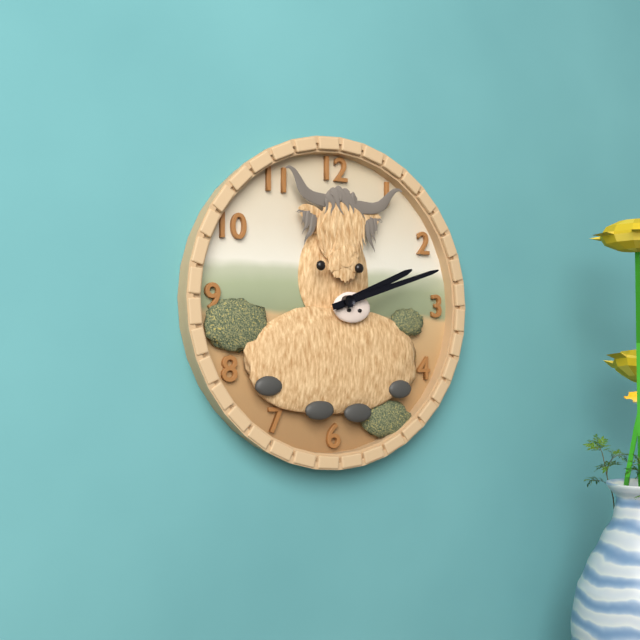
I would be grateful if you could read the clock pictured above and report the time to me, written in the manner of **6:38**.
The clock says **2:12**
